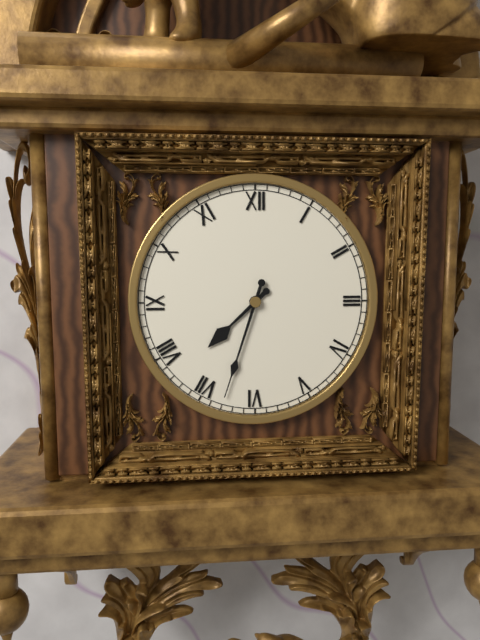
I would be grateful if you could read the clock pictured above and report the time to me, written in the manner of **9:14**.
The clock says **7:33**
